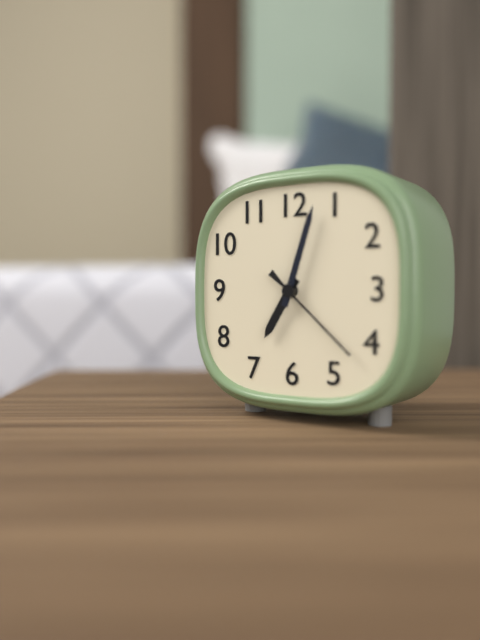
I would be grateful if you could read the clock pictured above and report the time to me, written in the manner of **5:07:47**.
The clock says **7:03:22**
